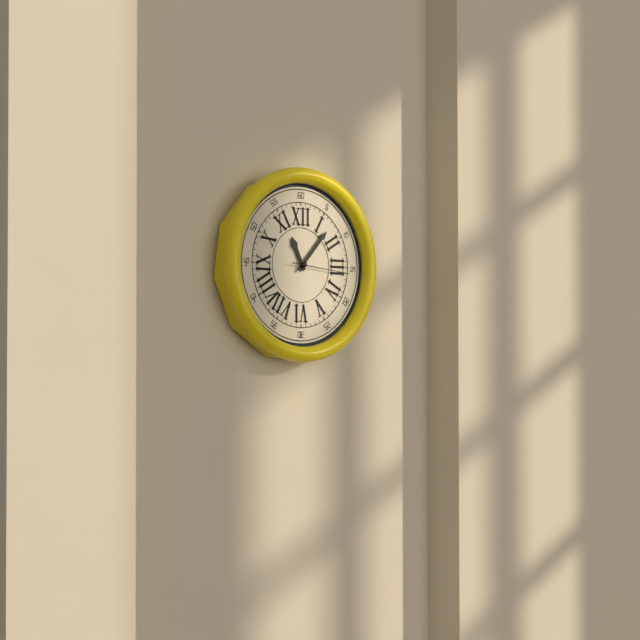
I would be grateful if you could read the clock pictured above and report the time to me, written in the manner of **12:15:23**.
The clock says **11:07:16**
